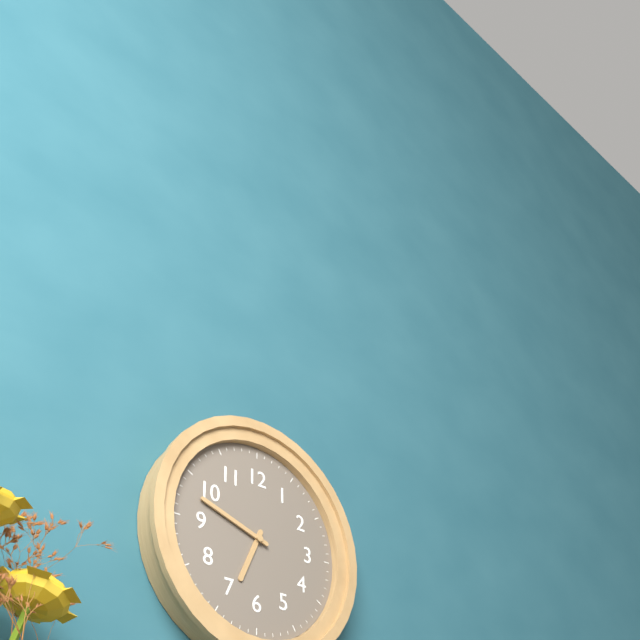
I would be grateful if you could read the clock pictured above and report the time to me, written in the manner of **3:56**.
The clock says **6:48**
